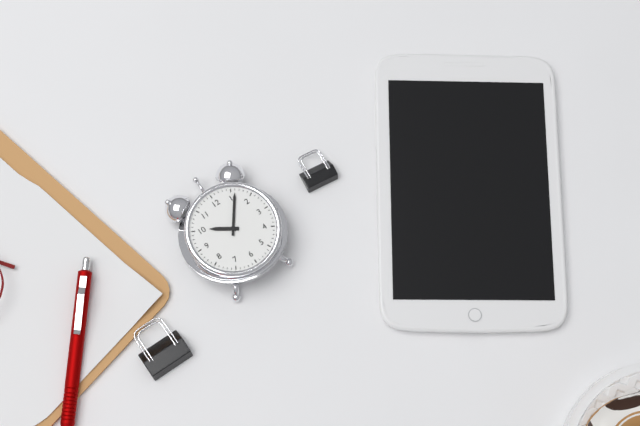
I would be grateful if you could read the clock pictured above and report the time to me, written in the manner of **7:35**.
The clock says **10:06**
